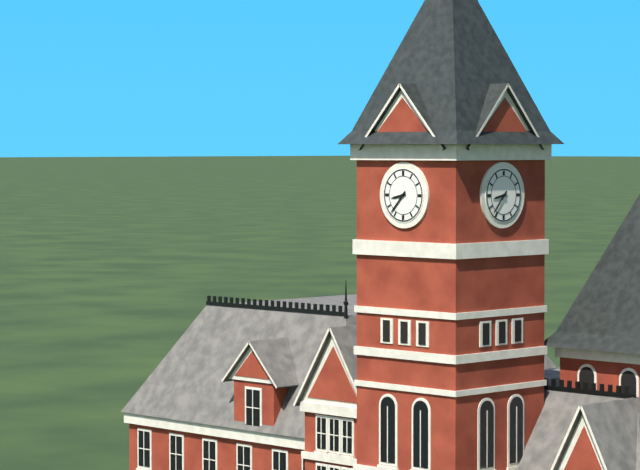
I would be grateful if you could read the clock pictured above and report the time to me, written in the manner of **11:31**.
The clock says **8:37**
